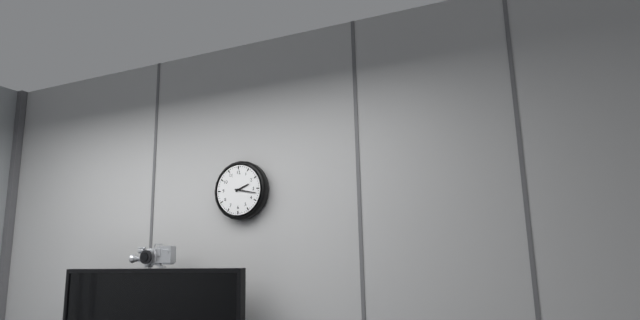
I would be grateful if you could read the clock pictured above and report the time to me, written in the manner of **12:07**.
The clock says **2:17**
